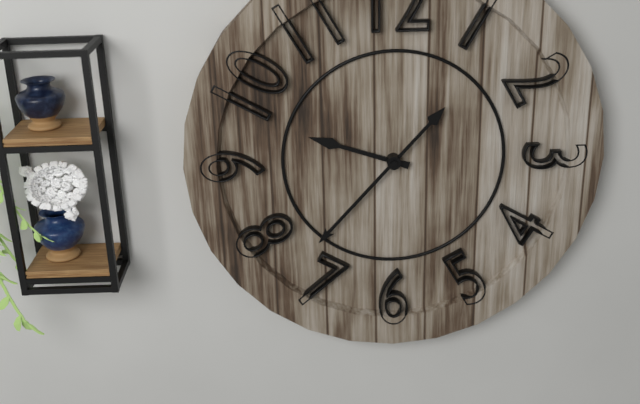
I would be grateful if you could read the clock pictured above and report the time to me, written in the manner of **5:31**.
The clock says **9:37**
